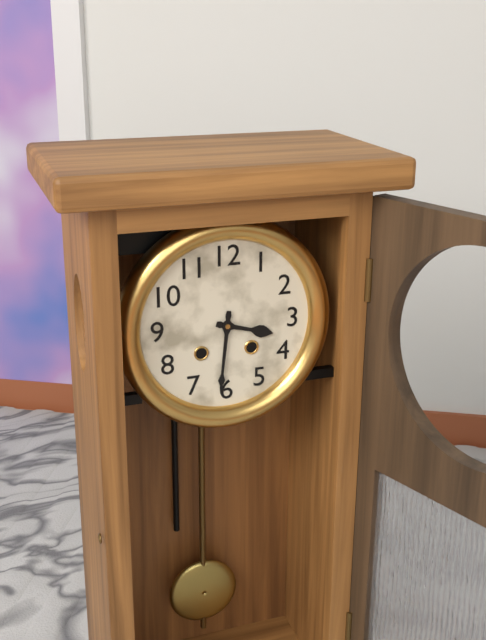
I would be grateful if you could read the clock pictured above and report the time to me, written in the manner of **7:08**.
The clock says **3:31**
